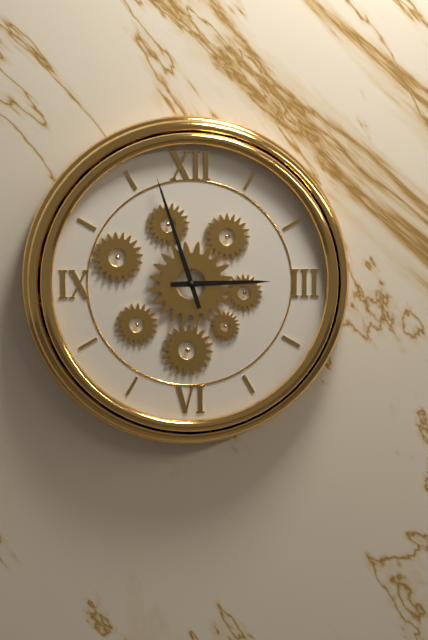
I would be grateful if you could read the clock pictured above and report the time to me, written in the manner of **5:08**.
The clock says **2:57**
